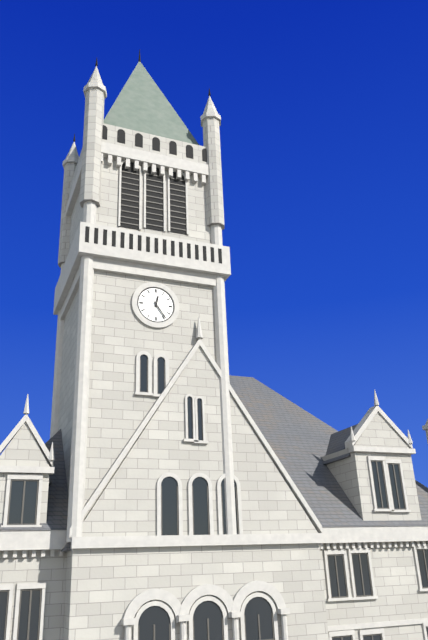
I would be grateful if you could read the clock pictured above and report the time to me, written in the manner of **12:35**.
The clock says **12:24**
